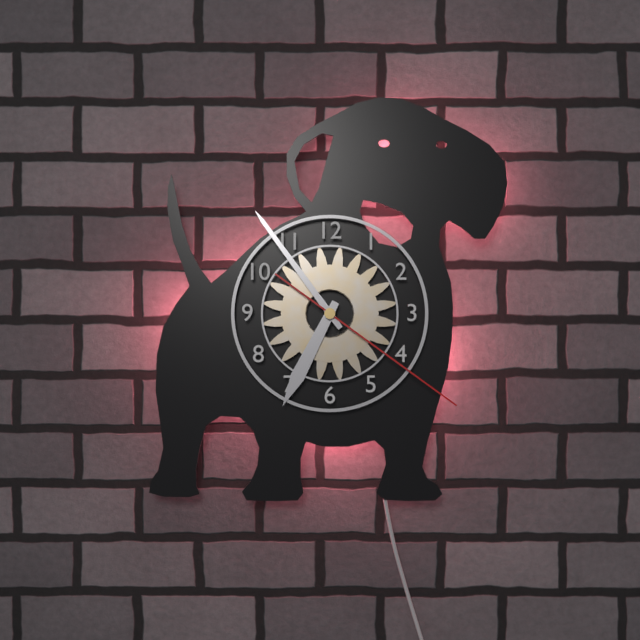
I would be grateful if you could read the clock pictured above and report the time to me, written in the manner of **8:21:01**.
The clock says **6:54:21**
